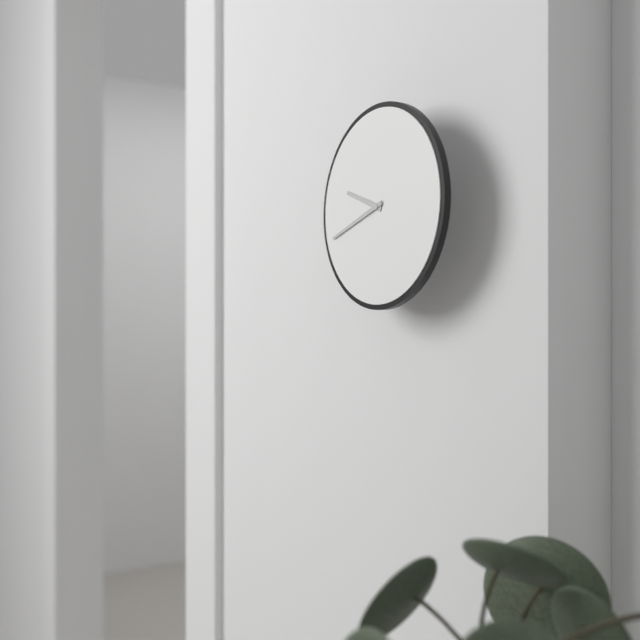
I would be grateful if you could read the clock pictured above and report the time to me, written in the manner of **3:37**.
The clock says **9:42**
